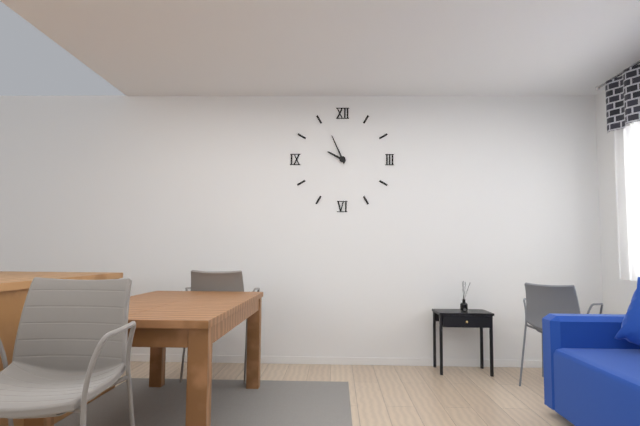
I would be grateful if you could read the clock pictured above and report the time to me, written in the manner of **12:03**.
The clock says **9:56**
